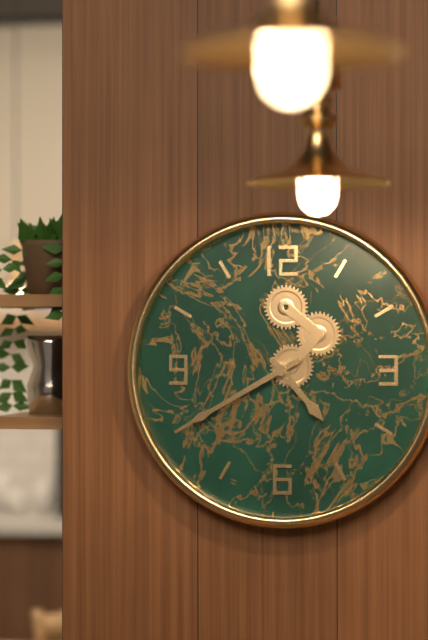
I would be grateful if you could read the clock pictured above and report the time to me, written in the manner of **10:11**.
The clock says **4:40**
